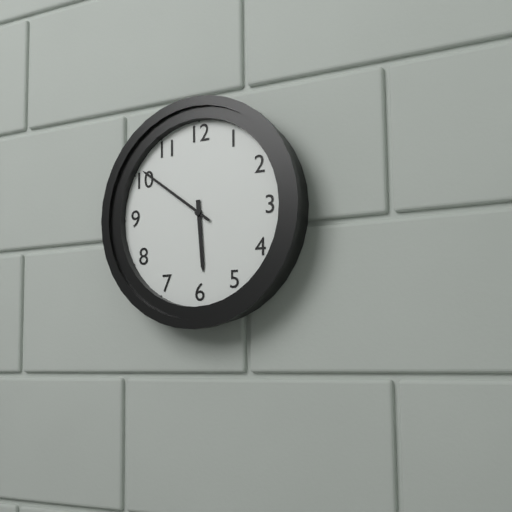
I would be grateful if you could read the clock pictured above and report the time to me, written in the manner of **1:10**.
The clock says **5:51**
